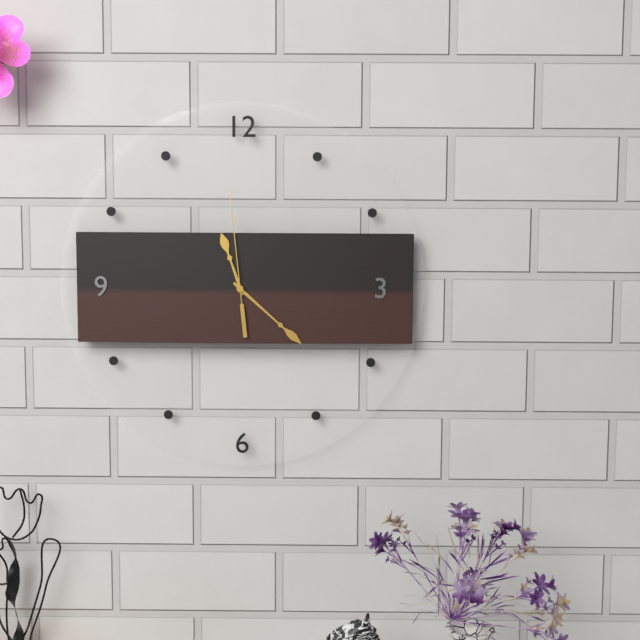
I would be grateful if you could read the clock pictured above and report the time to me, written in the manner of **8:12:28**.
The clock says **11:22:59**
